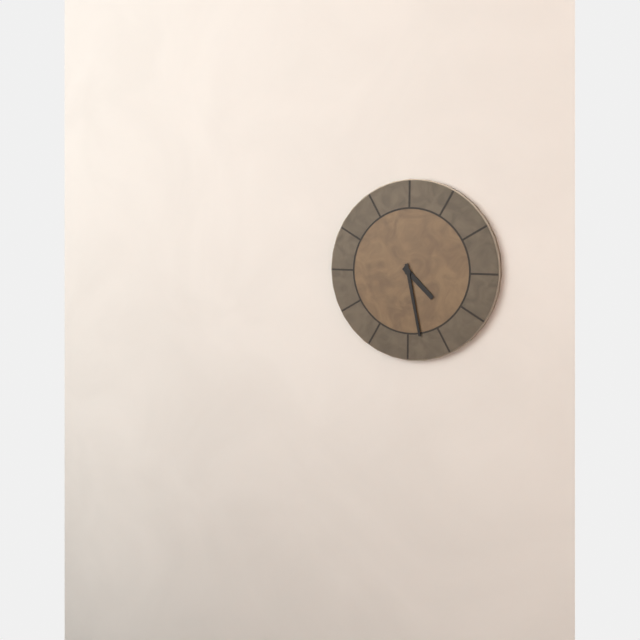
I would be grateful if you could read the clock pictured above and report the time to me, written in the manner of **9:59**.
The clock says **4:28**
